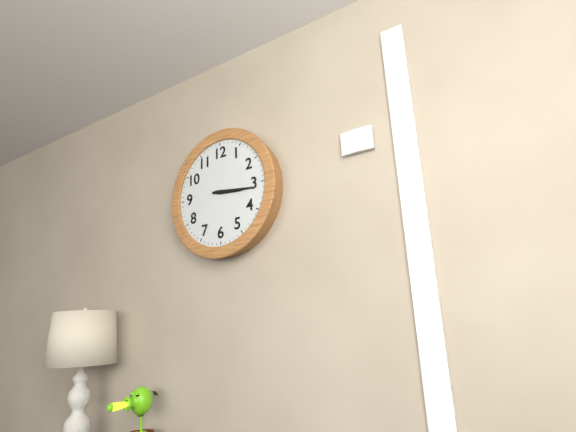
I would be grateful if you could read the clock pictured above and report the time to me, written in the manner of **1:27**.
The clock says **3:16**
